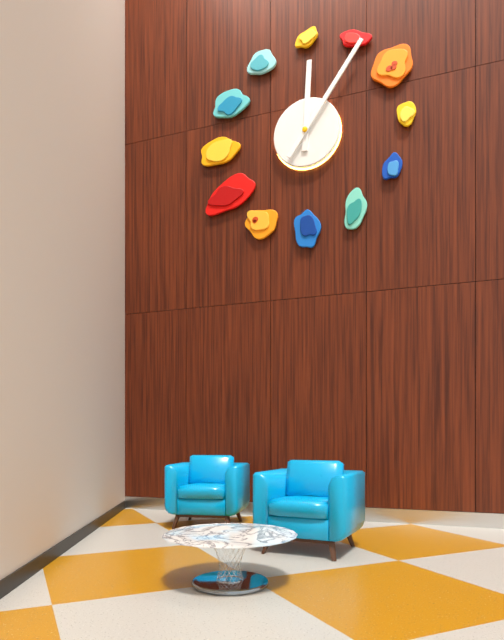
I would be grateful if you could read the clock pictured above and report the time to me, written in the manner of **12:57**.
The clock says **12:06**
